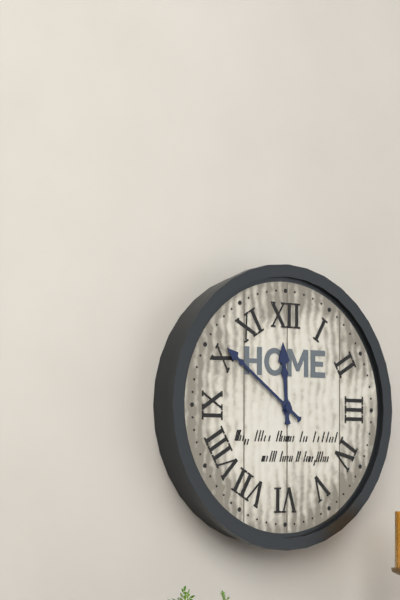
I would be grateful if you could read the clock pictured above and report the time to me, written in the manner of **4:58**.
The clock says **11:51**
